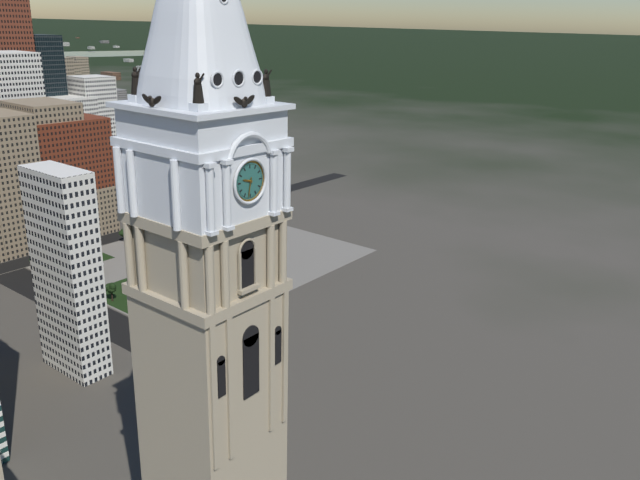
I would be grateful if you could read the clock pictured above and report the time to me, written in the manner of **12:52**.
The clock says **9:32**
